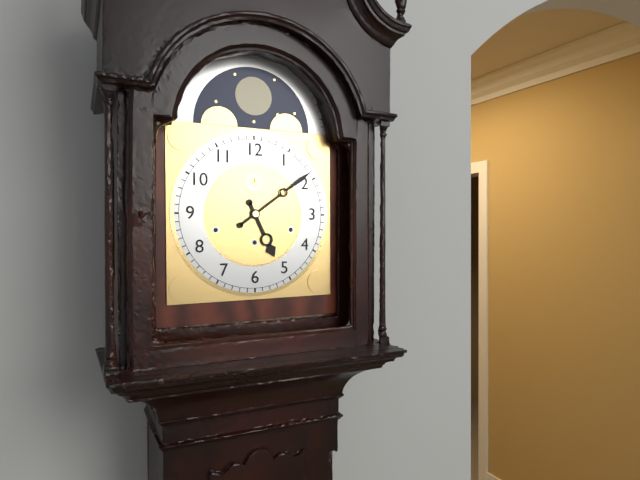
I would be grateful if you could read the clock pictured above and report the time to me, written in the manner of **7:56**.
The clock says **5:09**
